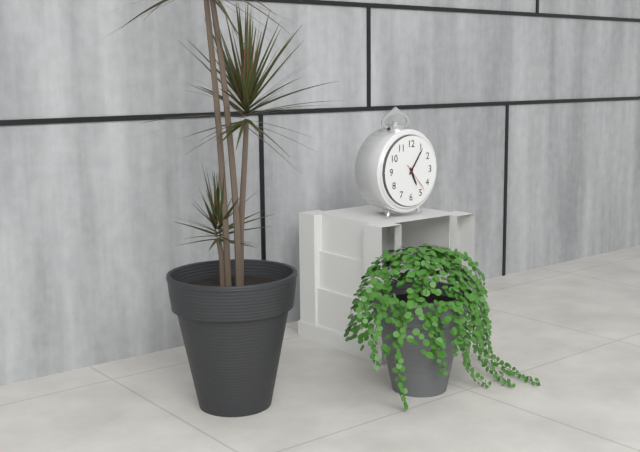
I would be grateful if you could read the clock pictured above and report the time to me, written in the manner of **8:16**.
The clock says **5:06**
